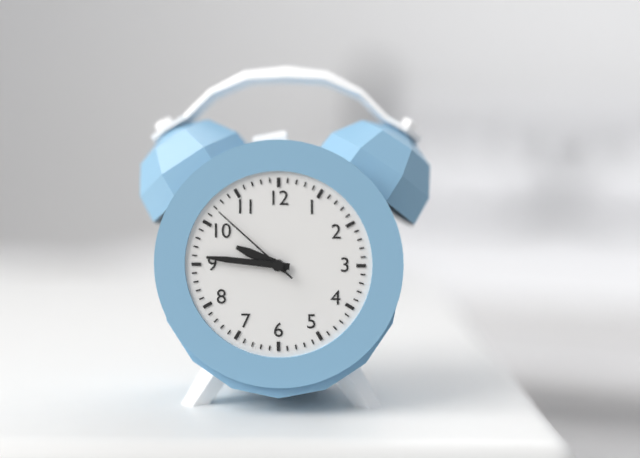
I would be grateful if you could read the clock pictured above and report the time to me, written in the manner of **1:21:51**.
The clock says **9:46:52**
